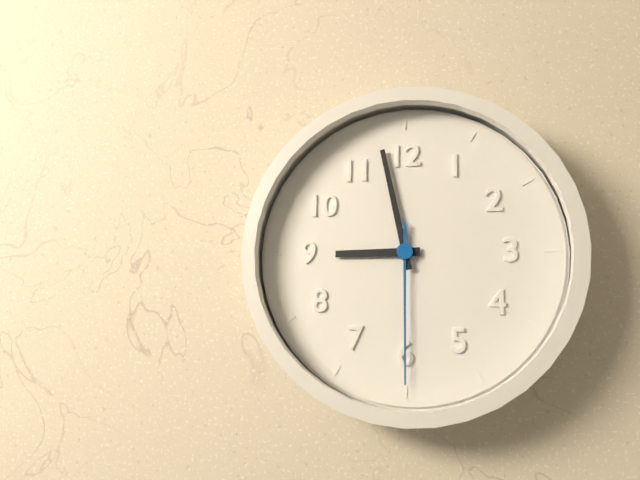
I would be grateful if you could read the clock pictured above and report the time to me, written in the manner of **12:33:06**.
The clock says **8:58:30**
